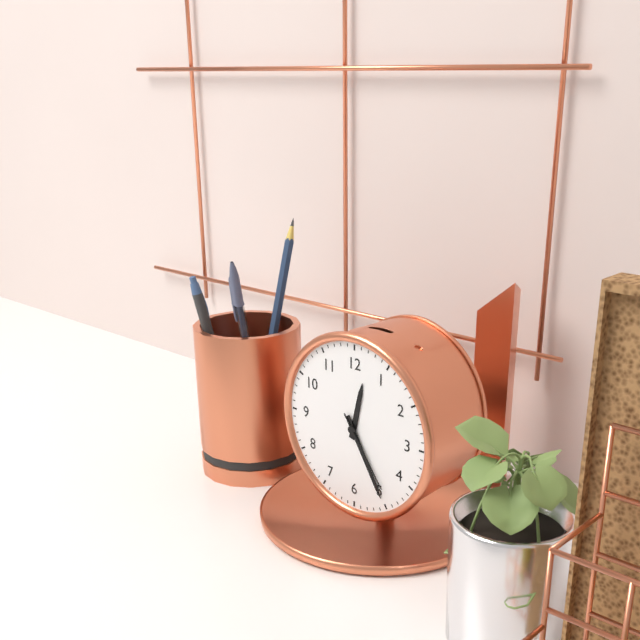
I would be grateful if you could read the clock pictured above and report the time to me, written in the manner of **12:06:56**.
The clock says **12:25:24**
